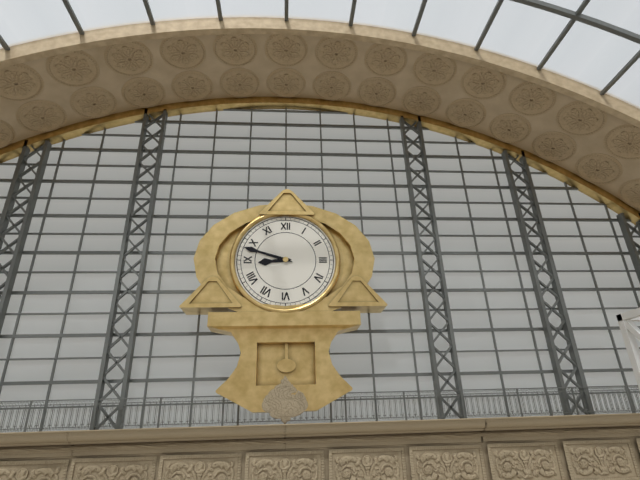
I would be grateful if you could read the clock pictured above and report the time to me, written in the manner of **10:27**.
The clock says **8:48**
